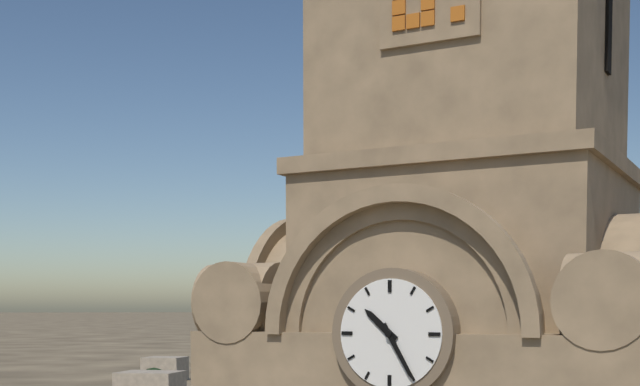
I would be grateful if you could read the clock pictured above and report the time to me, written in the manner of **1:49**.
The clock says **10:25**
